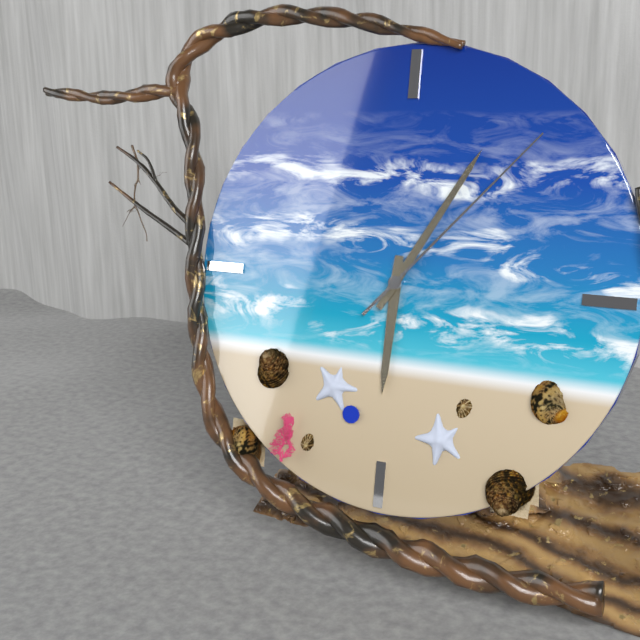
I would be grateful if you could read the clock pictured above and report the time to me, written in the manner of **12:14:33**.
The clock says **6:05:07**
